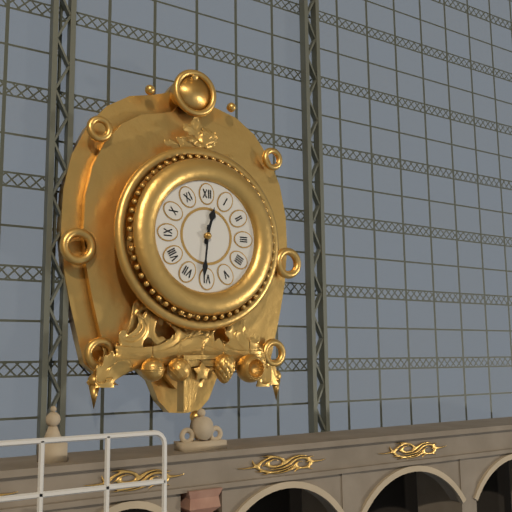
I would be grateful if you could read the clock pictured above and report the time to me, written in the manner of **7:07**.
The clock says **12:31**
